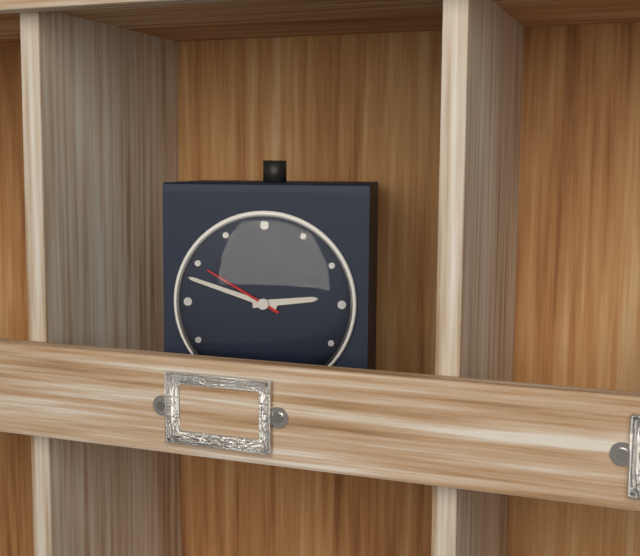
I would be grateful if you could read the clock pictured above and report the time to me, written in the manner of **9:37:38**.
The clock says **2:48:50**
